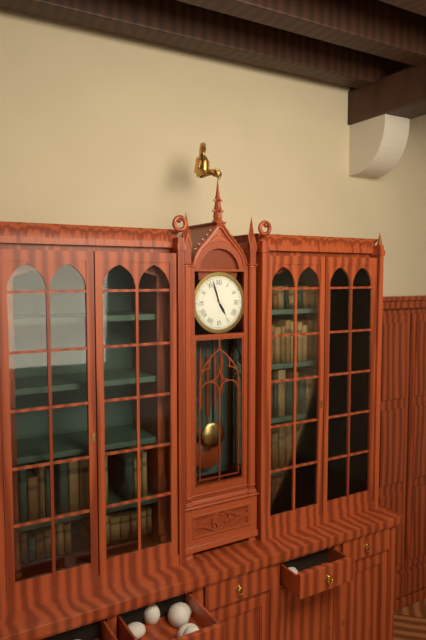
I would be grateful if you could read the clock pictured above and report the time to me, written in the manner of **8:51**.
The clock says **4:57**
